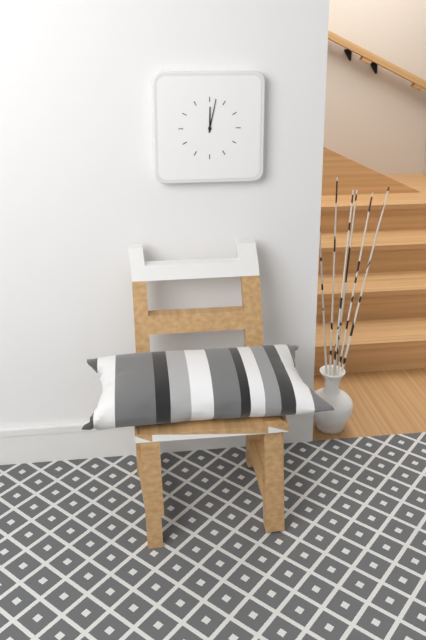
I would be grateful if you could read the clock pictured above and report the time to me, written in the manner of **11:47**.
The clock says **12:02**
